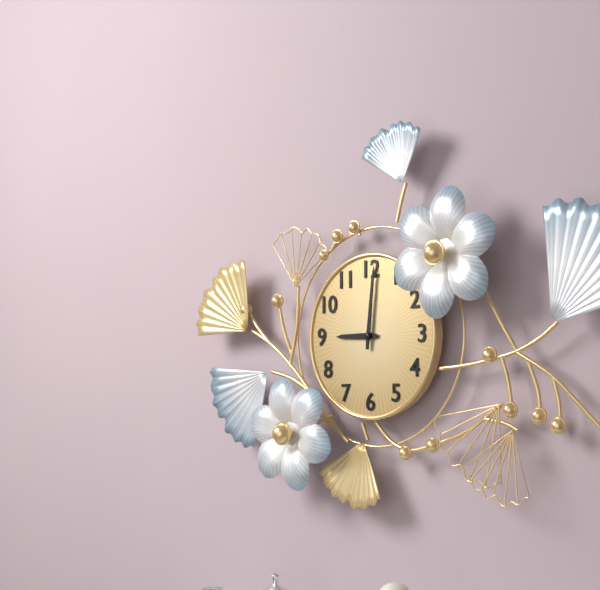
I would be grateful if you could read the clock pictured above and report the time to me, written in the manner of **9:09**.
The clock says **9:01**
